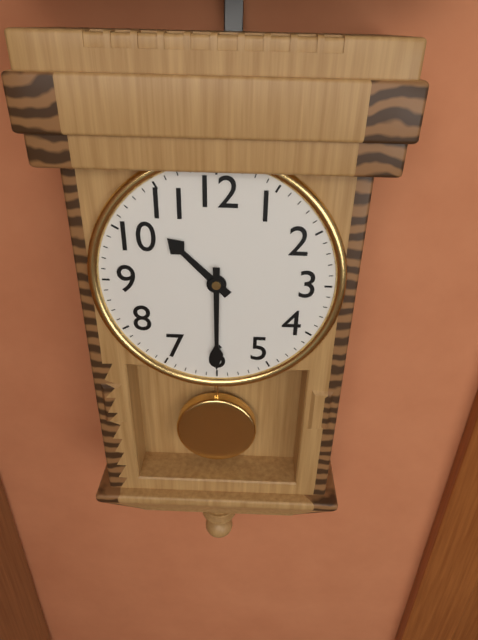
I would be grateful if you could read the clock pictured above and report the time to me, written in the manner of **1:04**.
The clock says **10:30**
